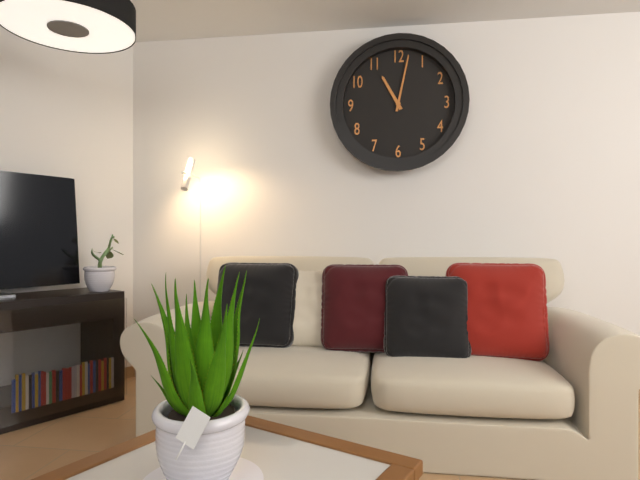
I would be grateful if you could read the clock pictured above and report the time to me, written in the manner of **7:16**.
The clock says **11:02**
